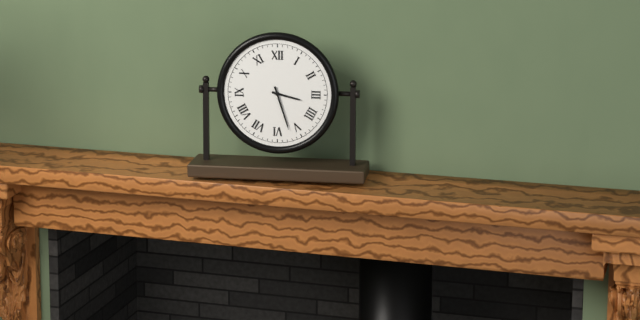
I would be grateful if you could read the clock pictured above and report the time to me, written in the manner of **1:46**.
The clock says **3:27**
